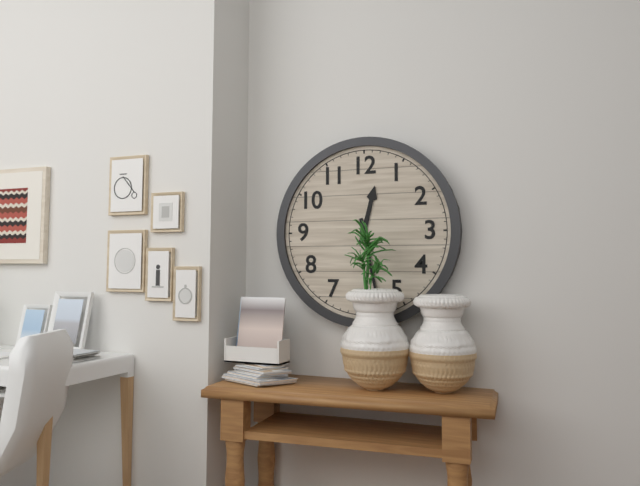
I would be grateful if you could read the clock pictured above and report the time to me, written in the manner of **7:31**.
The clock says **12:28**
